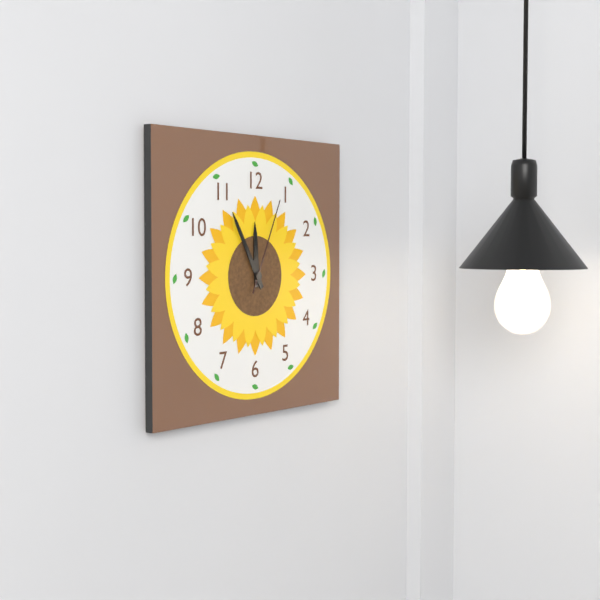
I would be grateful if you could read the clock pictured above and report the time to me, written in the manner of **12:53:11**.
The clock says **11:55:04**
